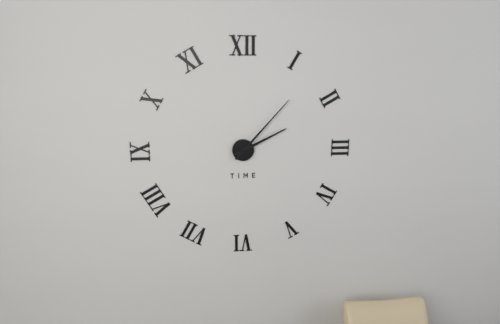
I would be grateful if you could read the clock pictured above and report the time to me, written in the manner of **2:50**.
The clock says **2:07**
